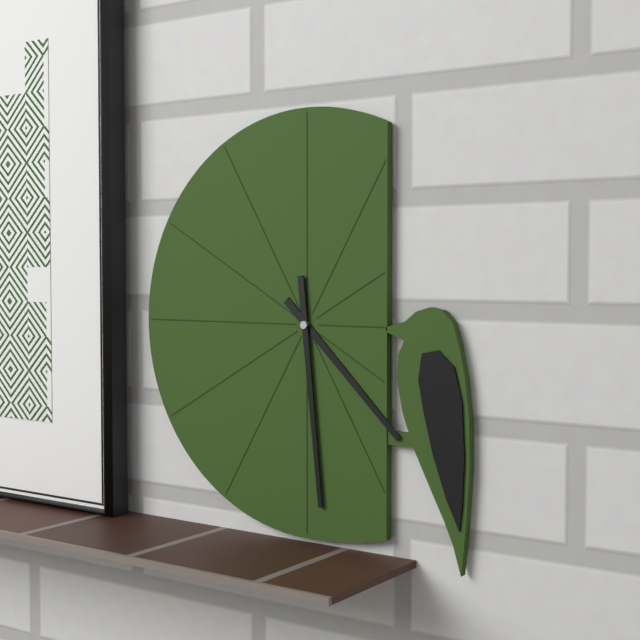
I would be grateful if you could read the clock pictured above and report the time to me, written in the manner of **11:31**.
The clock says **4:29**
